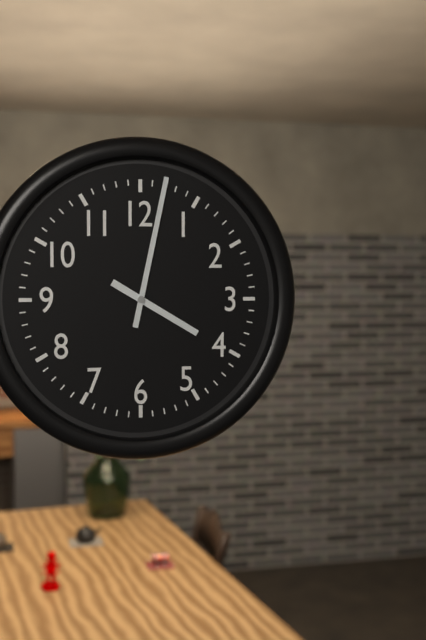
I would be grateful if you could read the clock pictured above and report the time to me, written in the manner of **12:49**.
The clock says **4:02**
